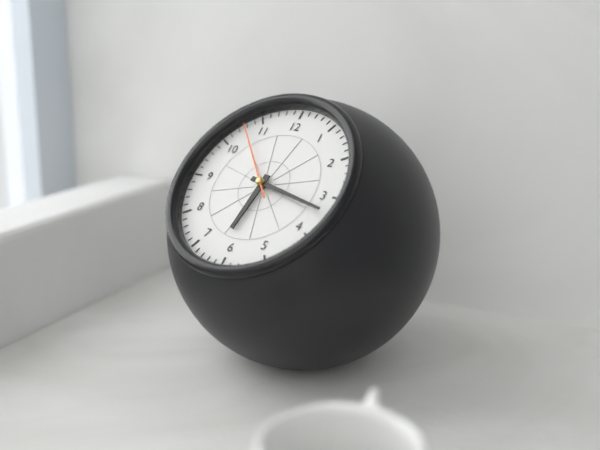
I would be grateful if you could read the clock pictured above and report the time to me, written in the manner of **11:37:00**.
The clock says **6:17:53**
